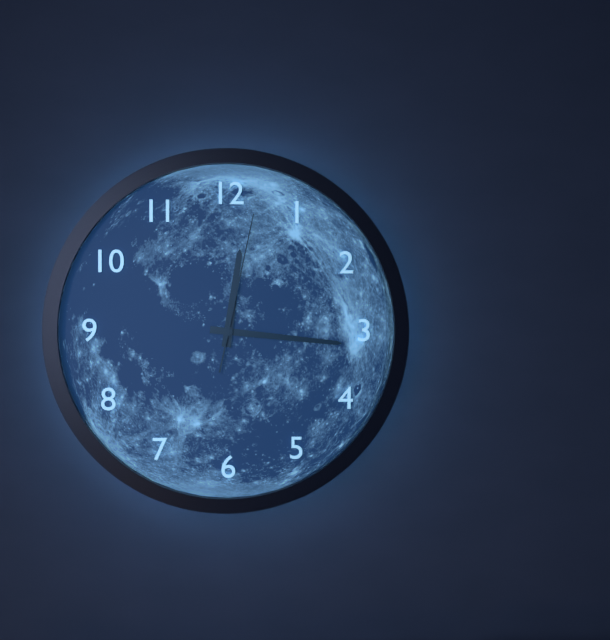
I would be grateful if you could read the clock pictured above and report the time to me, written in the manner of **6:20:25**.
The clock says **12:16:02**
